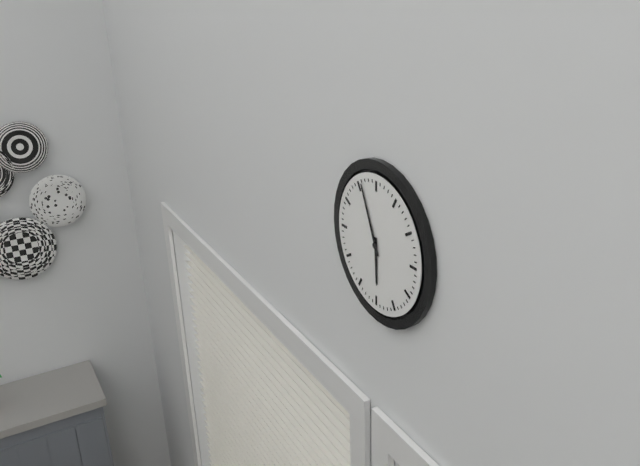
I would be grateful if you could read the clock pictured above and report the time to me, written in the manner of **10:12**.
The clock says **5:56**
